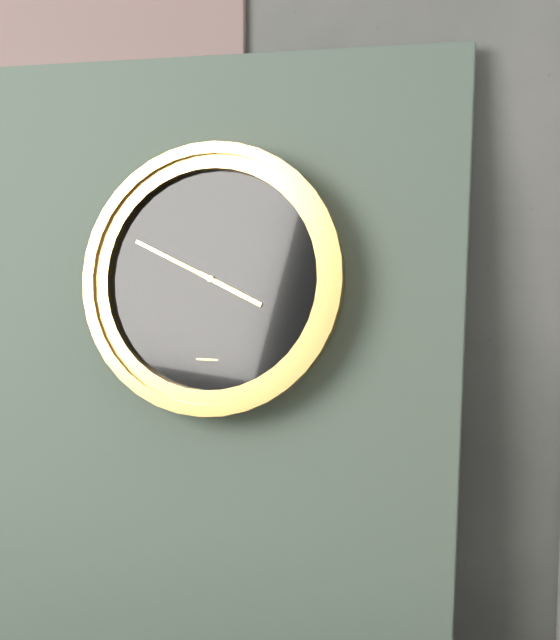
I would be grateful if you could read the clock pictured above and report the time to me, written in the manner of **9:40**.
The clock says **3:49**
